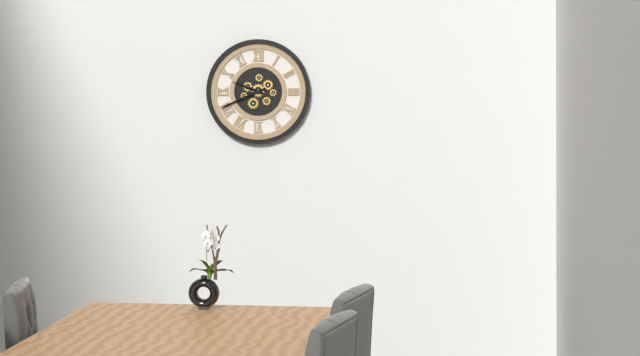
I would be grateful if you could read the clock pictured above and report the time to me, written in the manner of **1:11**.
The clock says **9:41**
